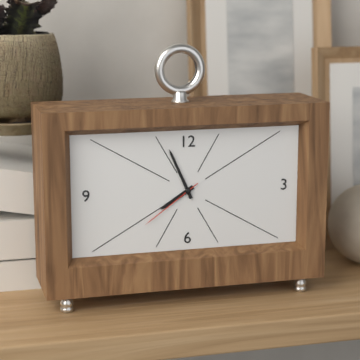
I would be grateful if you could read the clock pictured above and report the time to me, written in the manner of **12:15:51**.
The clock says **7:56:39**
